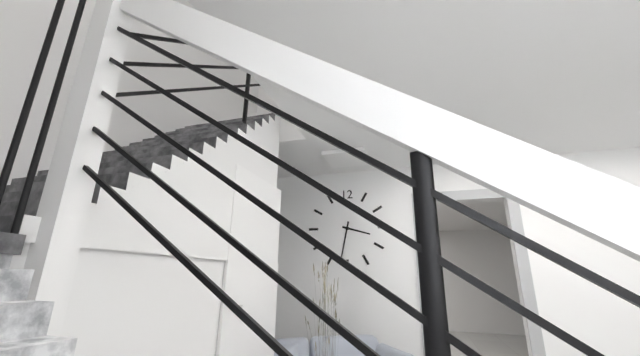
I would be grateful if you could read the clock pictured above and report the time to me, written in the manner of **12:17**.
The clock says **3:32**
